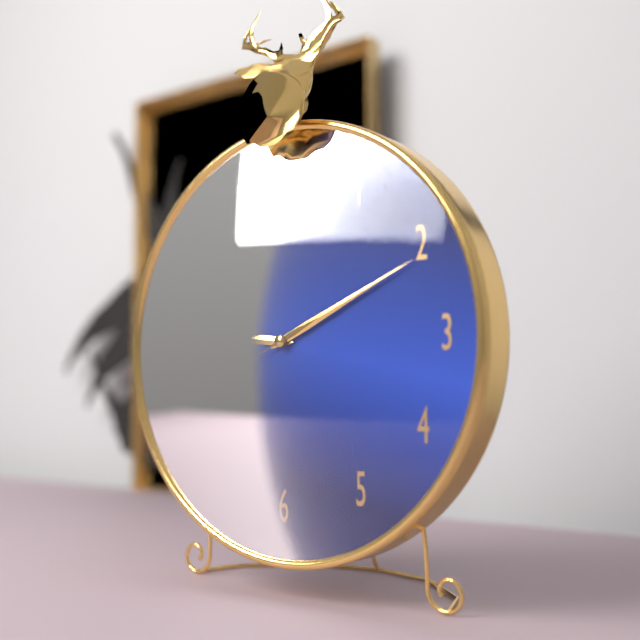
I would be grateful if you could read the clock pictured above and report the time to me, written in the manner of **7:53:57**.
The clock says **9:11:41**
